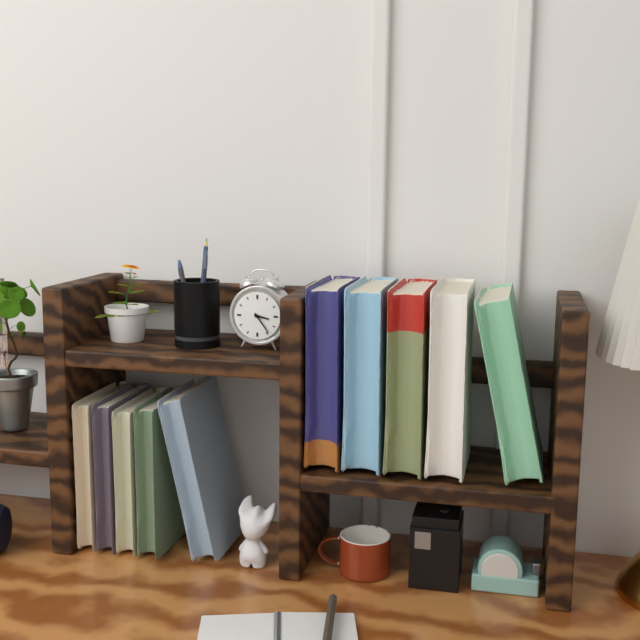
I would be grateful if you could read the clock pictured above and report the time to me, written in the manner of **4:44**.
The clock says **3:24**
